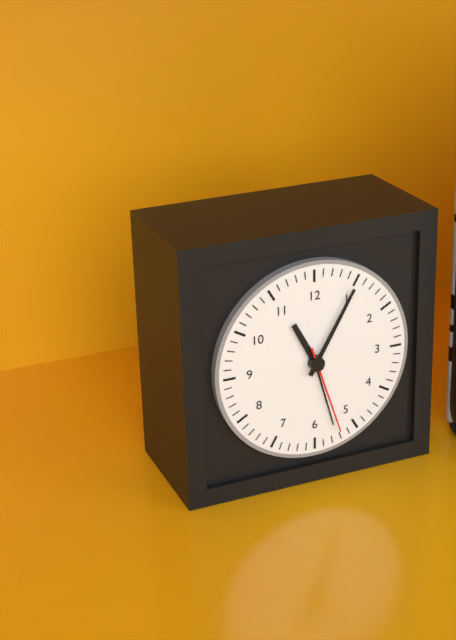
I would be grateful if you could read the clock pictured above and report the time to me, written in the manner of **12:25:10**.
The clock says **11:05:27**
